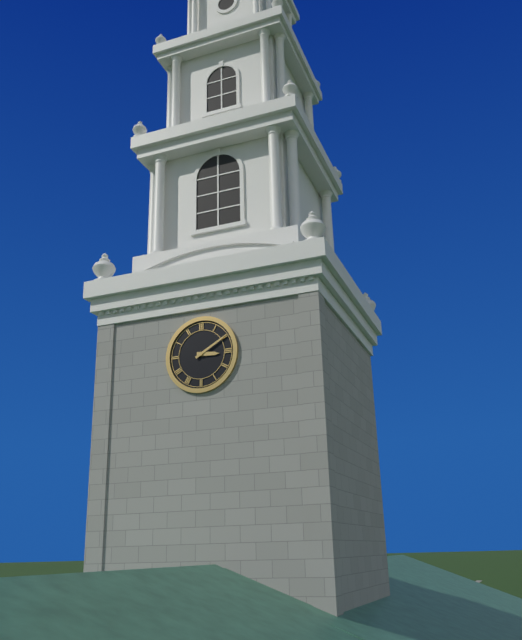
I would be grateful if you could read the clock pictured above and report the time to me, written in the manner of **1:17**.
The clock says **3:10**
